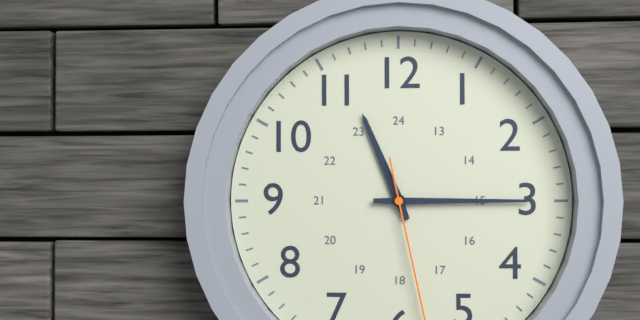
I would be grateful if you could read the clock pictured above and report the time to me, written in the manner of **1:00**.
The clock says **11:15**
